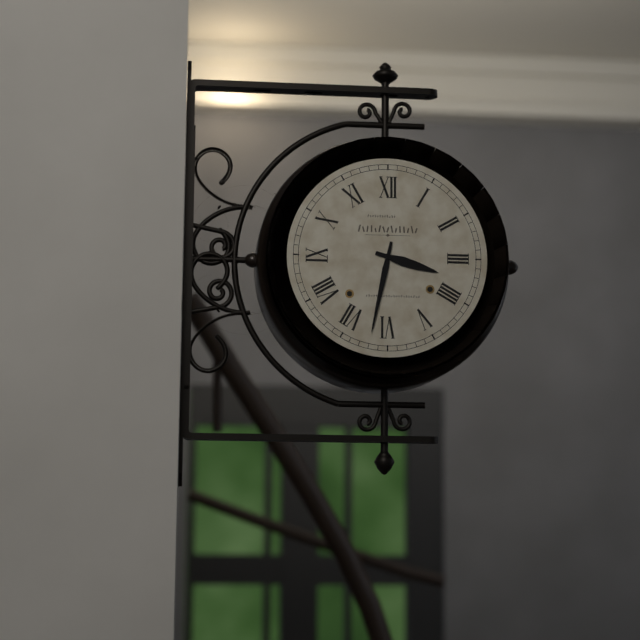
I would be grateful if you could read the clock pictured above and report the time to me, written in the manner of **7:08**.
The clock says **3:32**
